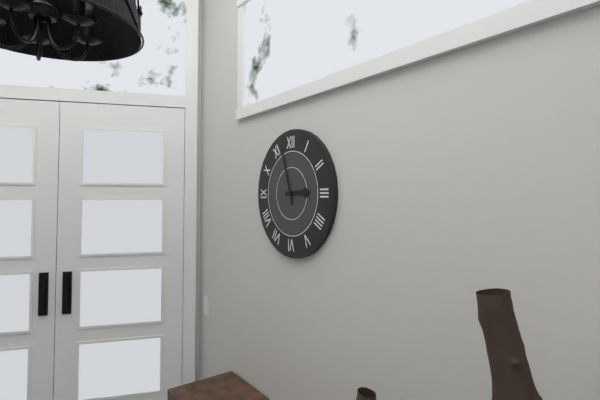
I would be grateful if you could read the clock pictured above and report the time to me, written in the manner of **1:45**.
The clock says **2:57**
